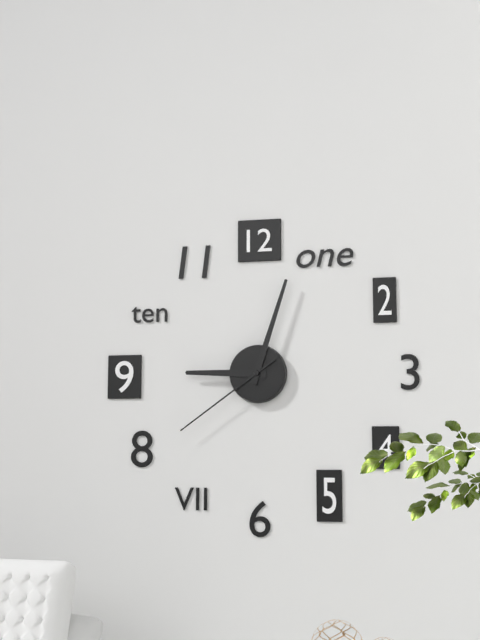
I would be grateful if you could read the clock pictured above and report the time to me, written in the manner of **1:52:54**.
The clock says **9:03:39**
